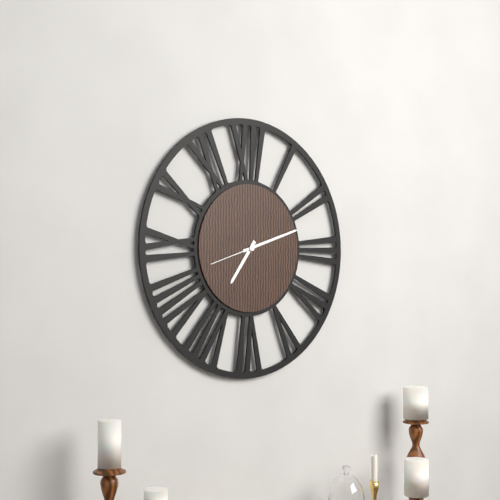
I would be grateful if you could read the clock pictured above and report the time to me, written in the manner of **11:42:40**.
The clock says **7:12:42**
